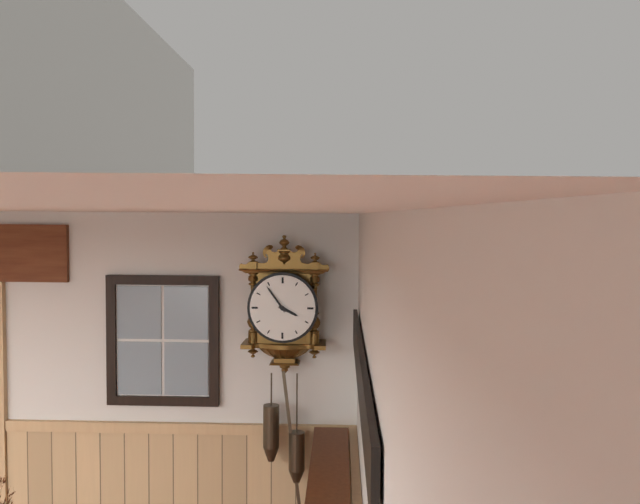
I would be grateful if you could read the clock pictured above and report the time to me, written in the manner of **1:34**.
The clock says **3:54**
